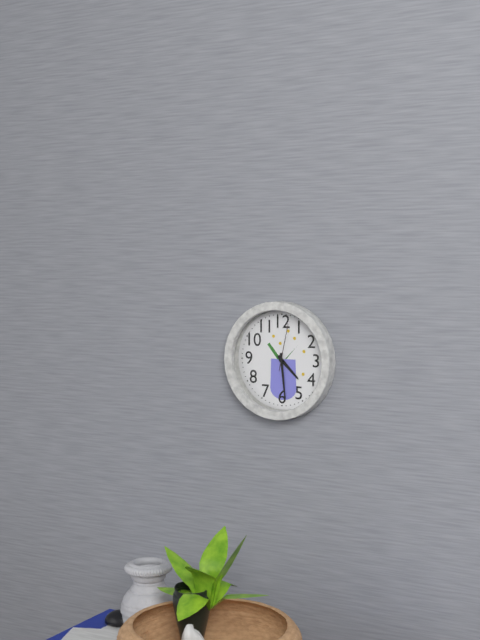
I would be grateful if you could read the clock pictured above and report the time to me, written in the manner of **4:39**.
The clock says **4:29**
